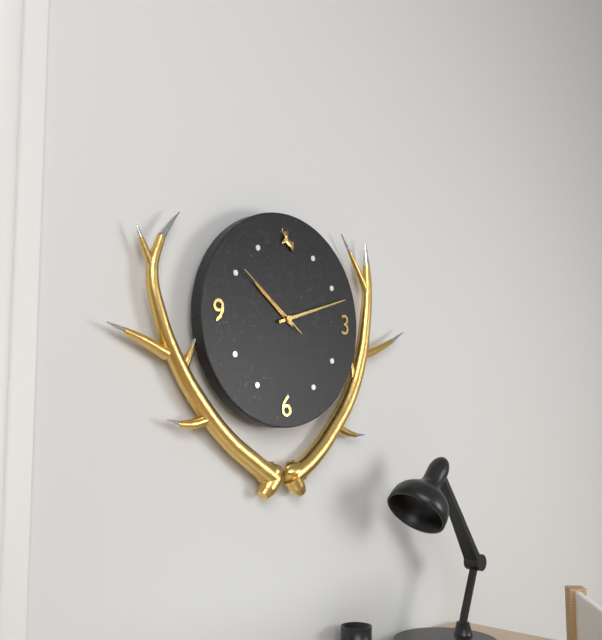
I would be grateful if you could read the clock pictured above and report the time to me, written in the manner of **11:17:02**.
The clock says **10:12:51**
